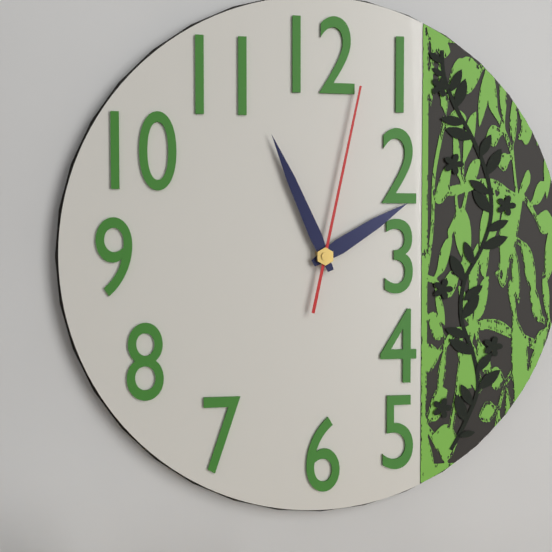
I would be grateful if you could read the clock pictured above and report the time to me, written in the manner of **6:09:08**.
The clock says **1:56:02**
